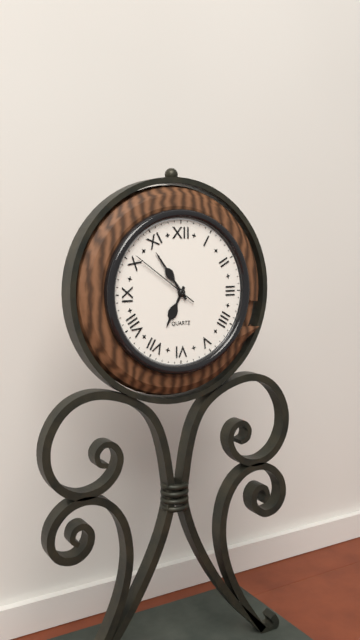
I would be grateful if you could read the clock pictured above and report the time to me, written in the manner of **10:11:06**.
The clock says **6:54:51**
